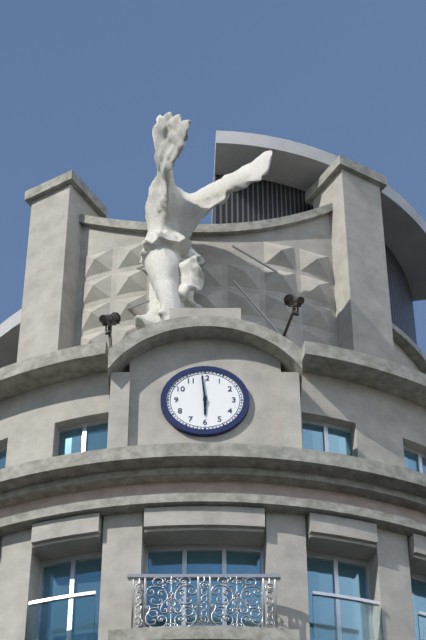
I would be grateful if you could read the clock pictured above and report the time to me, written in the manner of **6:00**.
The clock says **5:59**
